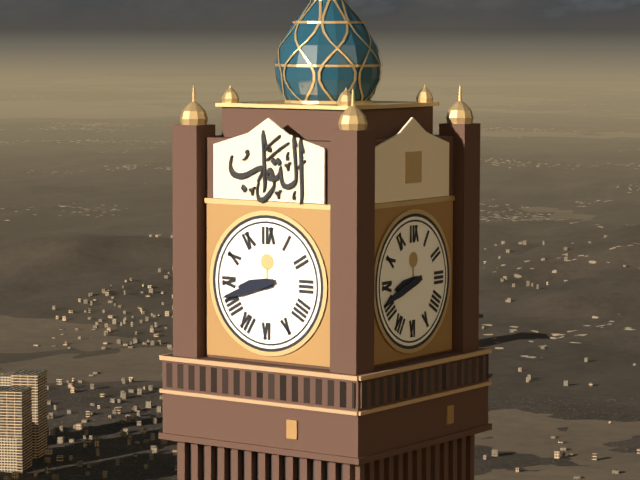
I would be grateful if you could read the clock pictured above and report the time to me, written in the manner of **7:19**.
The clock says **8:42**
